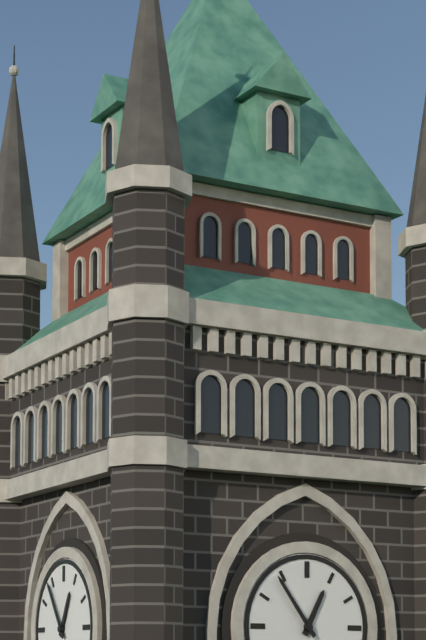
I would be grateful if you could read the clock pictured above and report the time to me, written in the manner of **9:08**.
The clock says **12:54**
